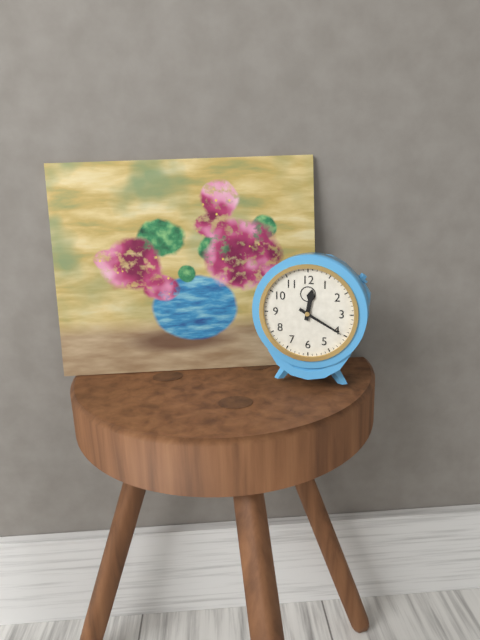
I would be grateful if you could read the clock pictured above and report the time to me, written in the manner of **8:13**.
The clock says **12:20**
